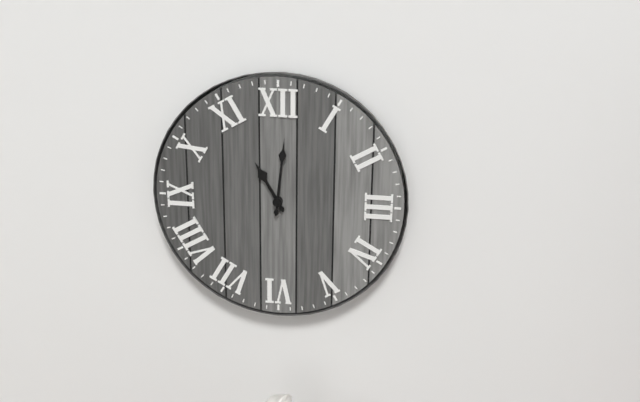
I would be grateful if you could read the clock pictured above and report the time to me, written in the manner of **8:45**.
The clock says **11:01**
